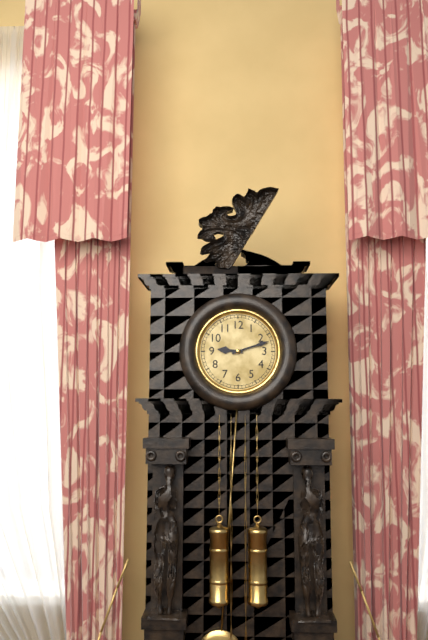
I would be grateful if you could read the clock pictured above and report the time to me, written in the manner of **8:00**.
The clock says **9:12**
